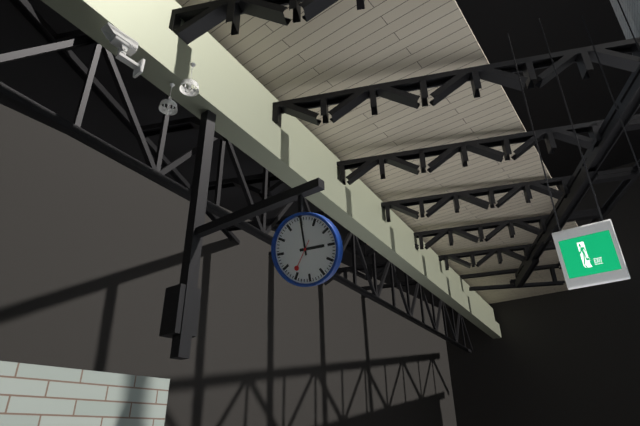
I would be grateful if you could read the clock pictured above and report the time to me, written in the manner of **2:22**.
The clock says **3:00**
